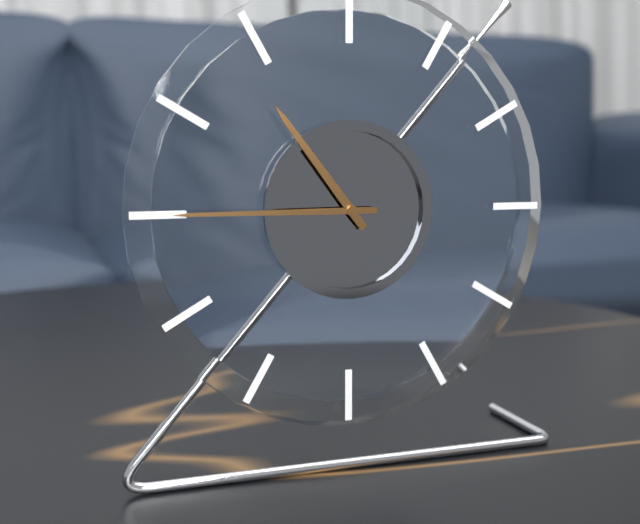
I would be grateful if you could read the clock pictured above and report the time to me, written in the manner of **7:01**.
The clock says **10:45**
